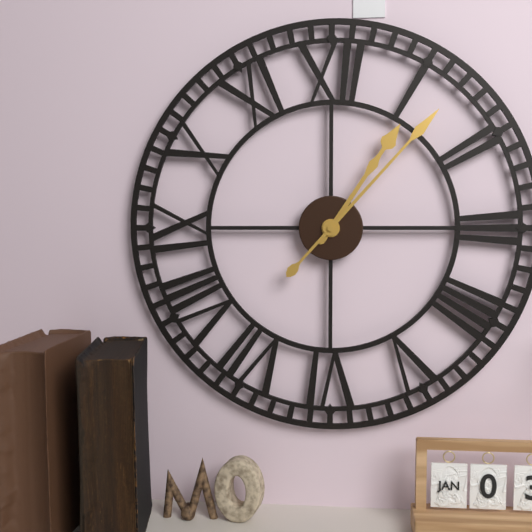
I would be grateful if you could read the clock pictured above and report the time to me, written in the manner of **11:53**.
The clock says **1:07**
